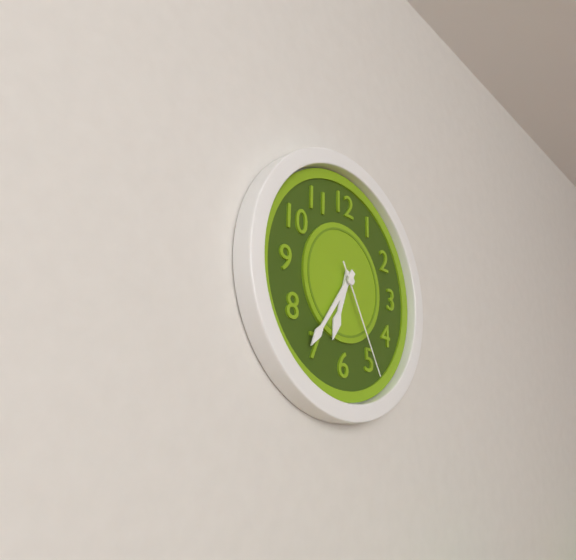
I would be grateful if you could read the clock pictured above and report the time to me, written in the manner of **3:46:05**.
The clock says **6:36:25**
